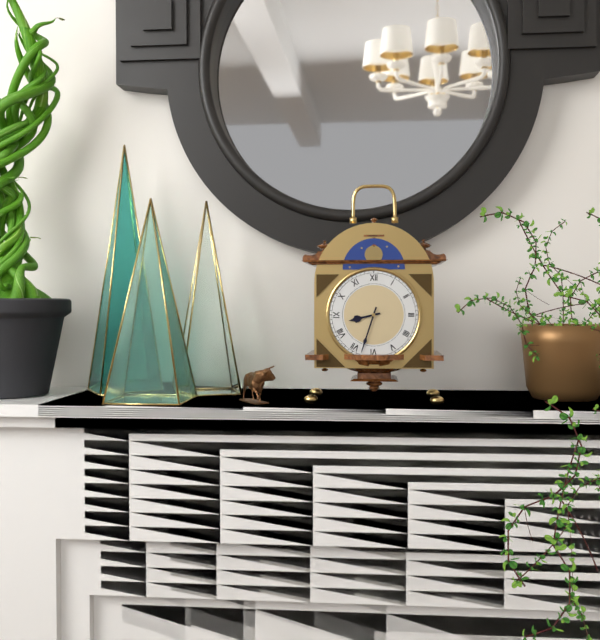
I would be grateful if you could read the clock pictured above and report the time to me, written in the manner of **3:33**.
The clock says **8:33**
